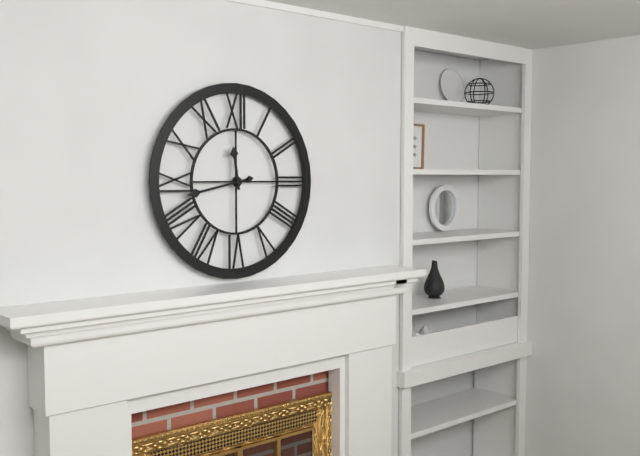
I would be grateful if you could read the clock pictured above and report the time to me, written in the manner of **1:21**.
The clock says **11:43**
